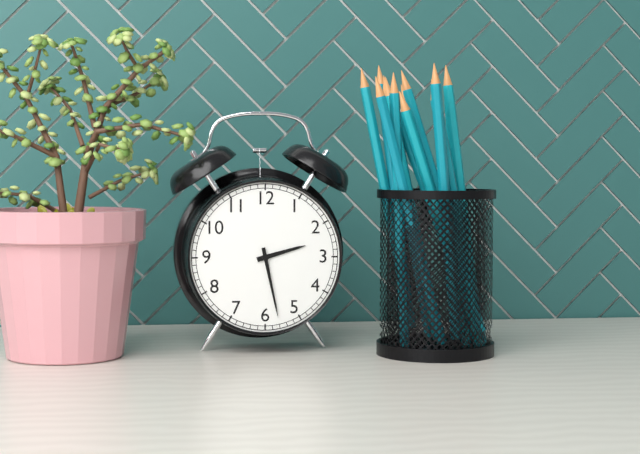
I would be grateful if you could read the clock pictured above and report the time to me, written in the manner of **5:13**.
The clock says **2:28**
